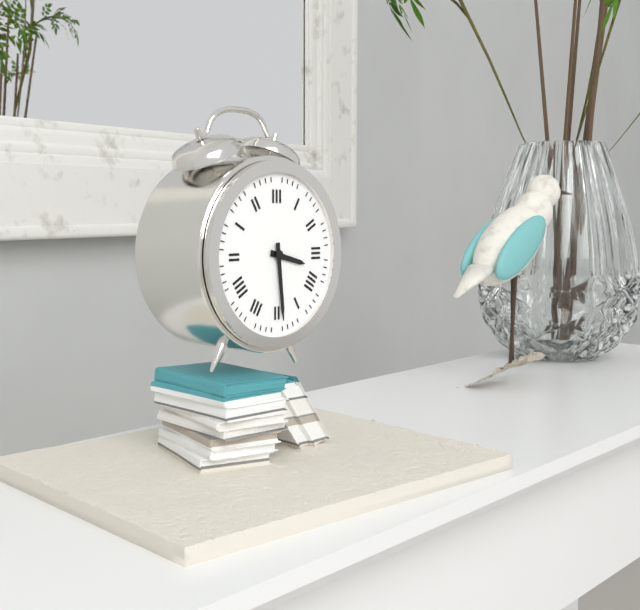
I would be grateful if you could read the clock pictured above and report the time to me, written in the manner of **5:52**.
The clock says **3:29**
